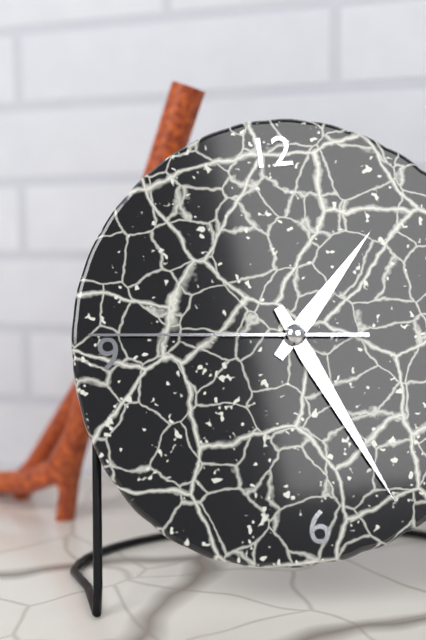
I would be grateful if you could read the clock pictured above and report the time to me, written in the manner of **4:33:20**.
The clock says **1:26:46**
